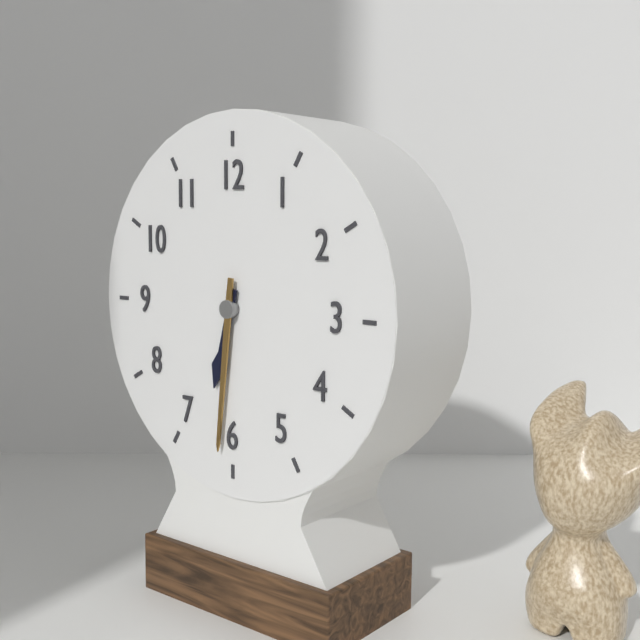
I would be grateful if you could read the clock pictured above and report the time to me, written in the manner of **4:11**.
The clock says **6:31**
